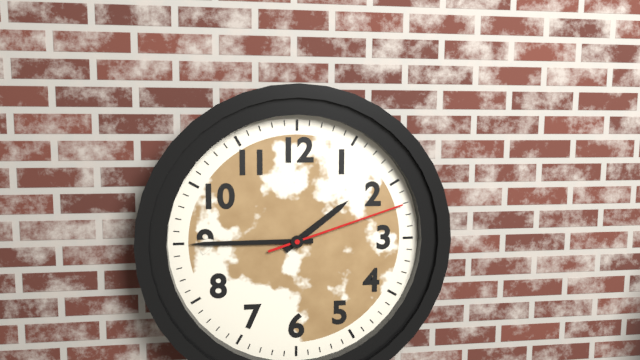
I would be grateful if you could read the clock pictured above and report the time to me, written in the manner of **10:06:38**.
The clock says **1:45:12**
